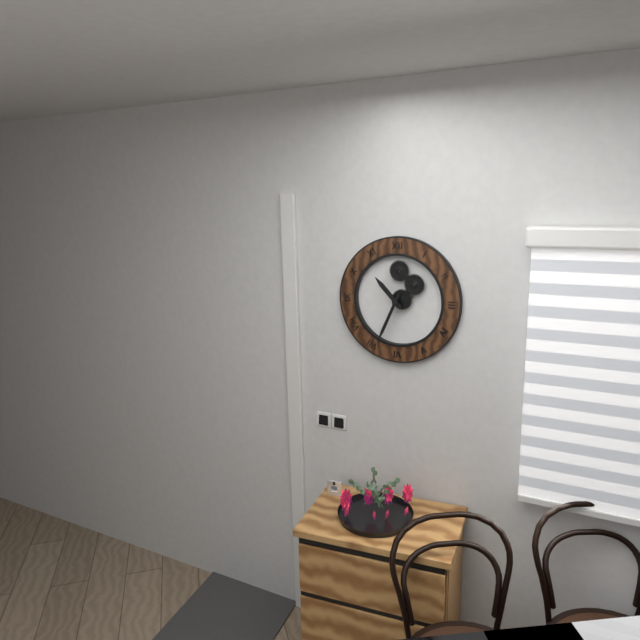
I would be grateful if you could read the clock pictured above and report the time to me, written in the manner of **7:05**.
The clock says **10:34**
